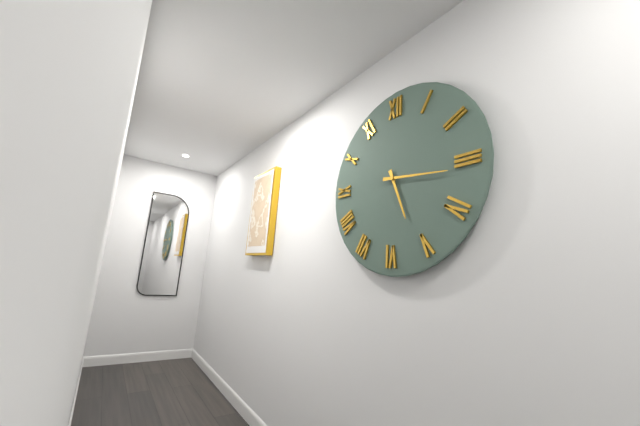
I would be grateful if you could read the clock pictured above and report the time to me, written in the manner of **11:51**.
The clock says **5:16**
